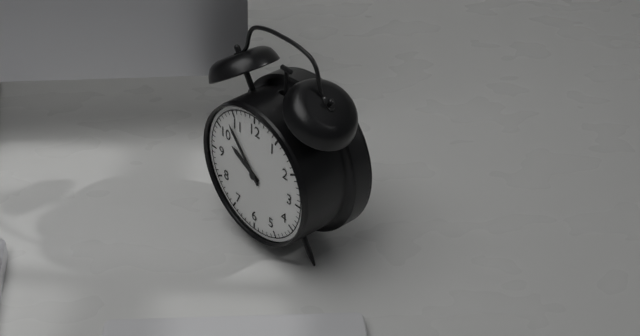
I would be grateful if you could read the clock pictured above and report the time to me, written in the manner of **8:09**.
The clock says **9:53**
